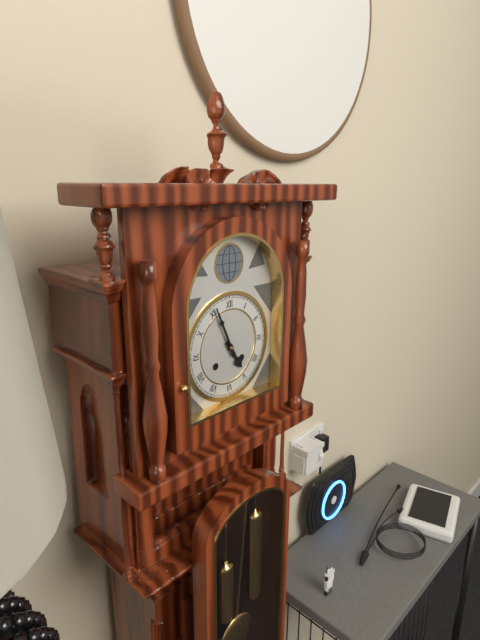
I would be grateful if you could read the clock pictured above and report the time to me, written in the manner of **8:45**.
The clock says **4:56**
